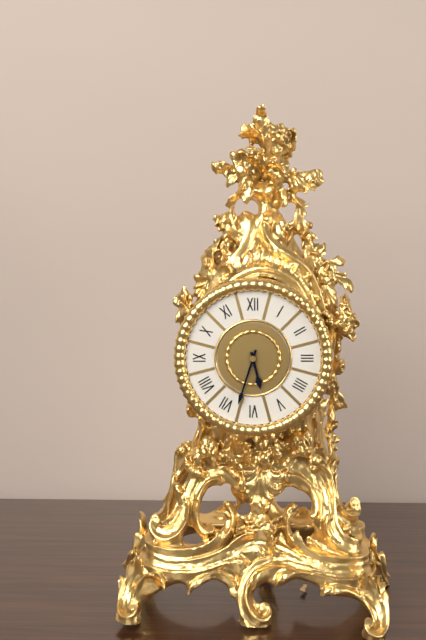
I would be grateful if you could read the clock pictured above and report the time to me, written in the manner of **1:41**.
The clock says **5:33**
